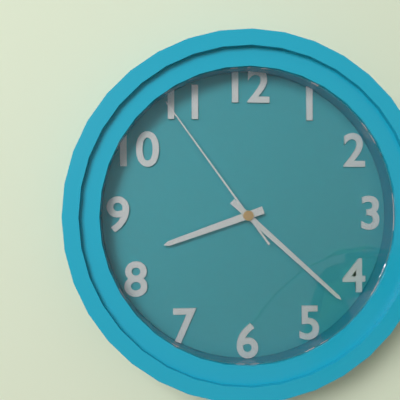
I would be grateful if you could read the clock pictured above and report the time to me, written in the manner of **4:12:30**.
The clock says **8:22:54**
